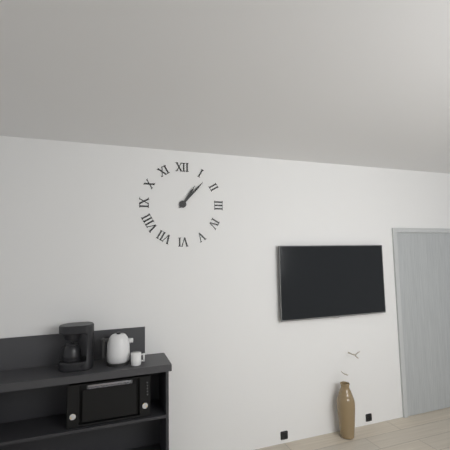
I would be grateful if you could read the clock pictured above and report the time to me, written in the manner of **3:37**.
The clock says **1:07**
